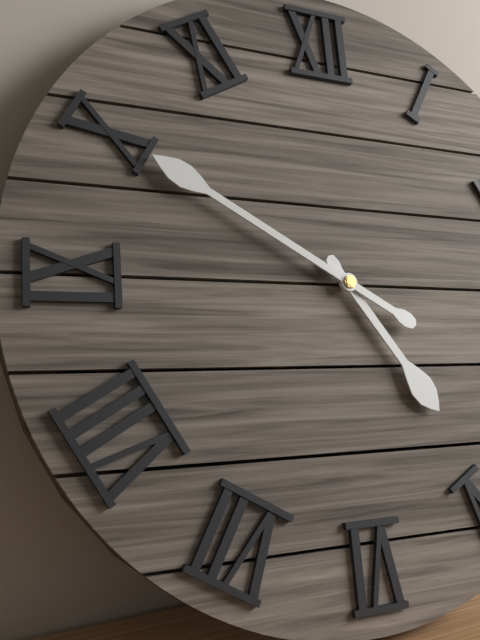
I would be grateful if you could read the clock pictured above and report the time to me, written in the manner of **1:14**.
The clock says **4:50**
